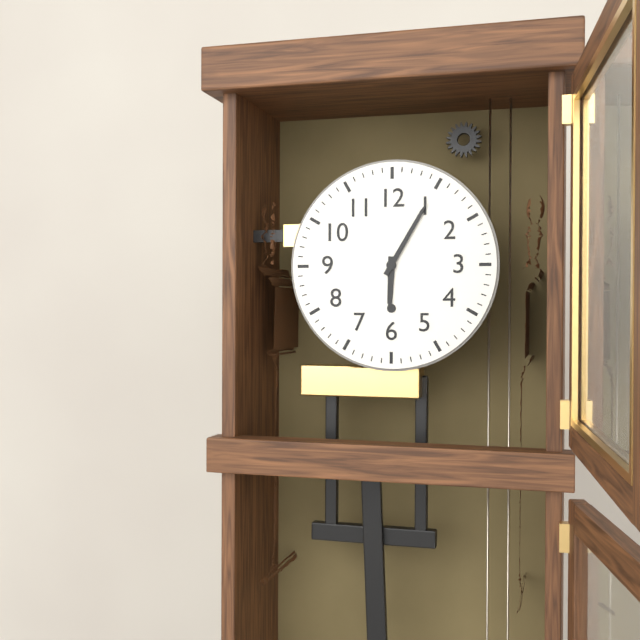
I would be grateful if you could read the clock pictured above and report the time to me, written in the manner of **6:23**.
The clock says **6:05**
